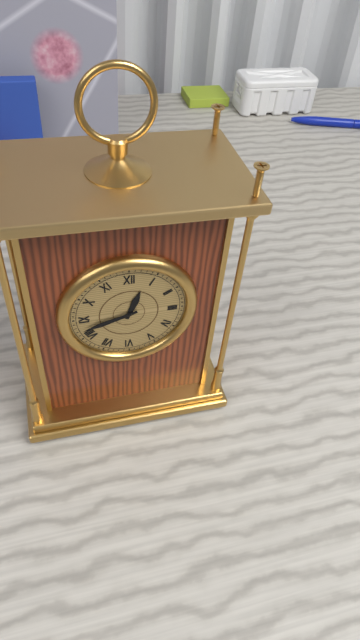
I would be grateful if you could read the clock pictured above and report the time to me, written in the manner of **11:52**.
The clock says **12:42**
